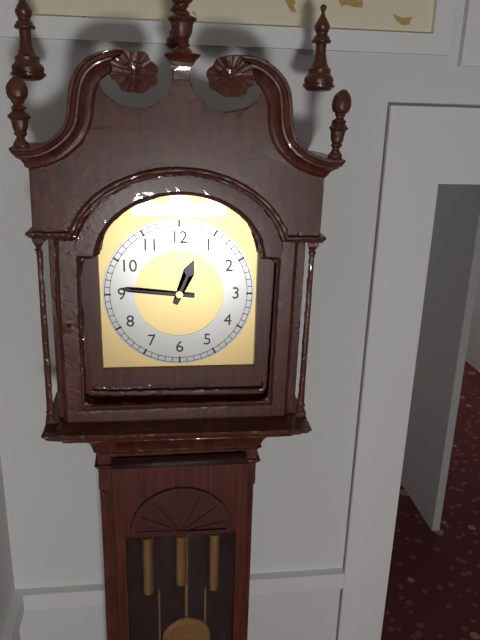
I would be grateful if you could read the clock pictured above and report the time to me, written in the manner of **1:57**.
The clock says **12:46**
